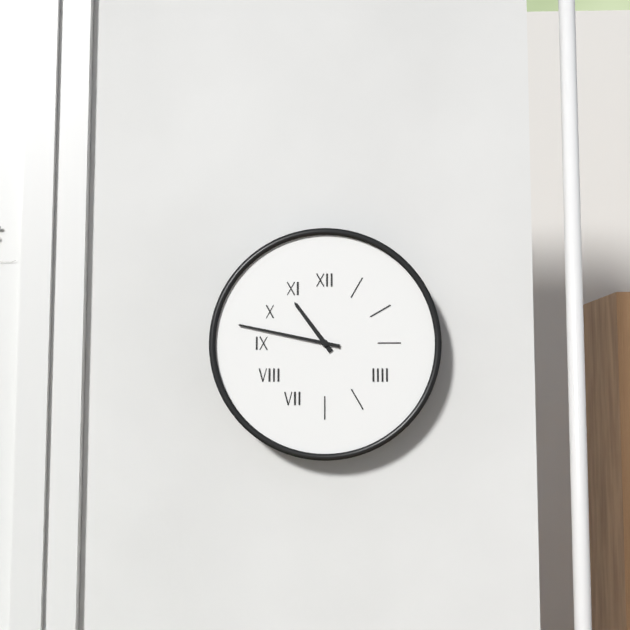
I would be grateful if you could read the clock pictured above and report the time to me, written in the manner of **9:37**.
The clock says **10:47**
